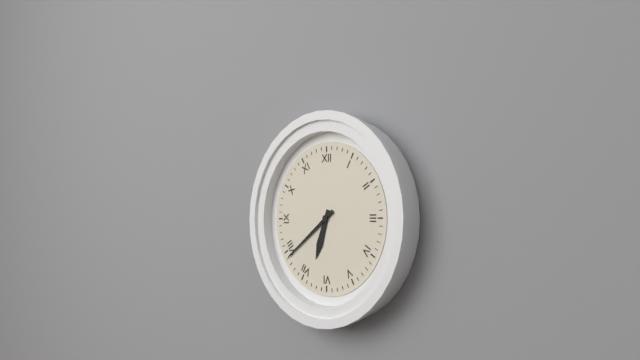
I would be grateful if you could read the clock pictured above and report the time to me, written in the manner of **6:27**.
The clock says **6:39**
